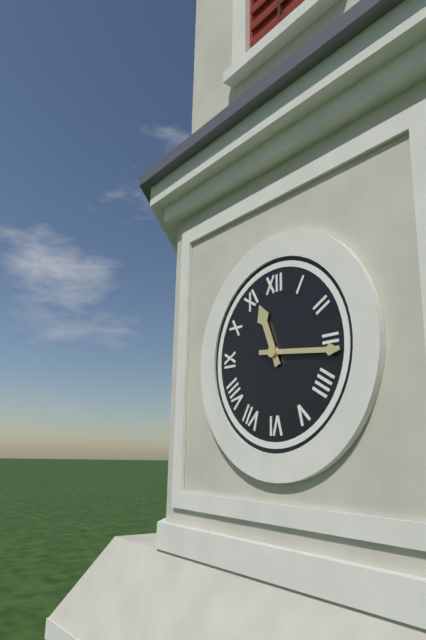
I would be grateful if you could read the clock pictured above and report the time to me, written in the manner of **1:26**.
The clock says **11:16**
